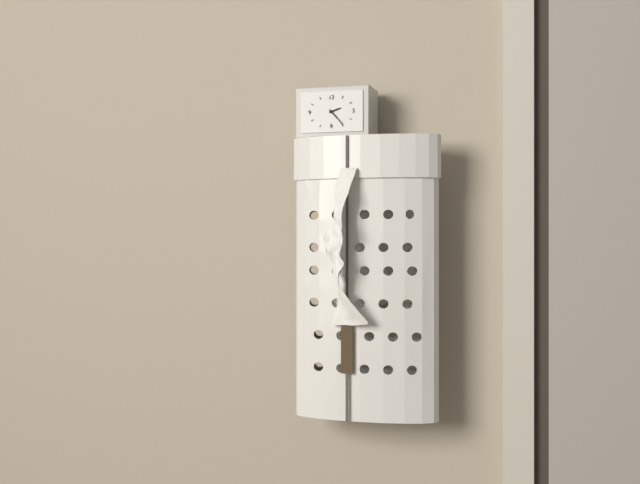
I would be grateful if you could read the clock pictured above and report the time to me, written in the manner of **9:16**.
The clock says **2:23**
